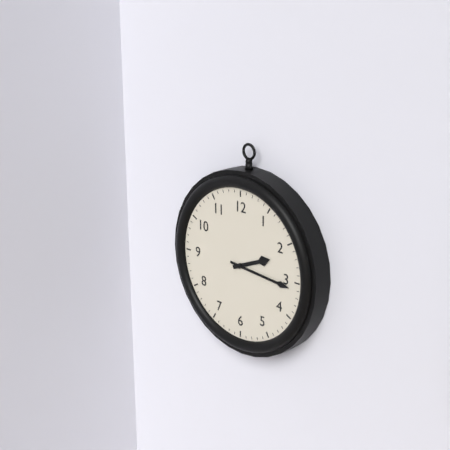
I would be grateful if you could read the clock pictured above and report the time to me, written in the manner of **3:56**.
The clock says **2:16**
